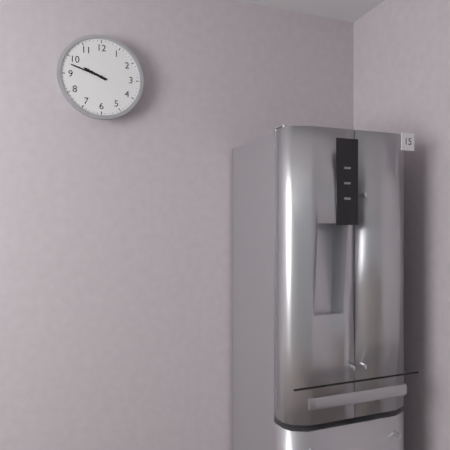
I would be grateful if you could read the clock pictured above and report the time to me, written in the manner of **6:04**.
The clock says **9:48**
